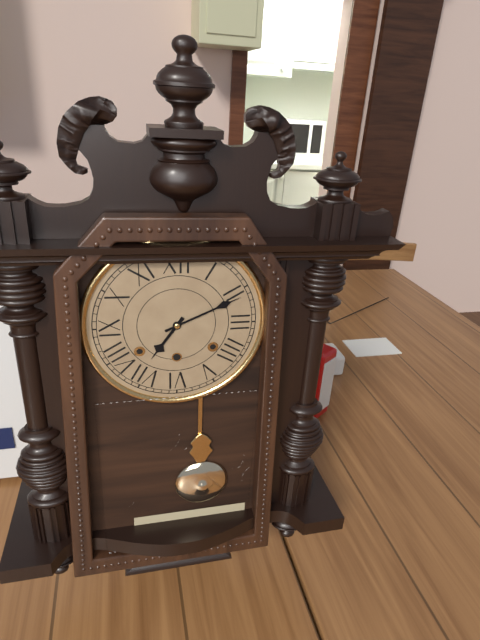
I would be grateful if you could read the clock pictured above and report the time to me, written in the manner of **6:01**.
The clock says **7:11**
